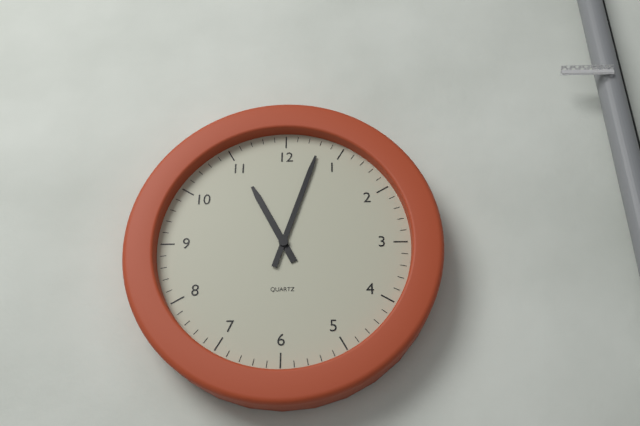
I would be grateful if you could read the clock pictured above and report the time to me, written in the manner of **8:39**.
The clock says **11:03**
